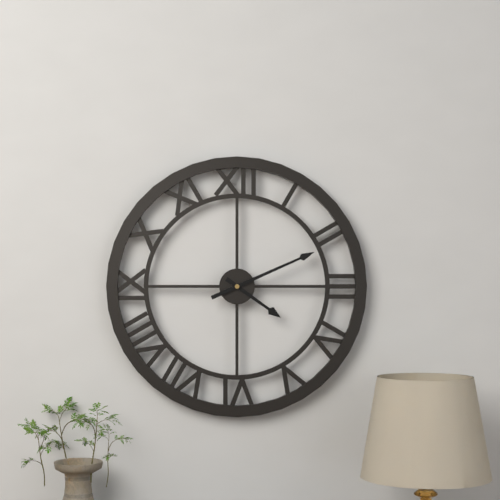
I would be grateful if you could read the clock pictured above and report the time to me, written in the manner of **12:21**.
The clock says **4:11**
